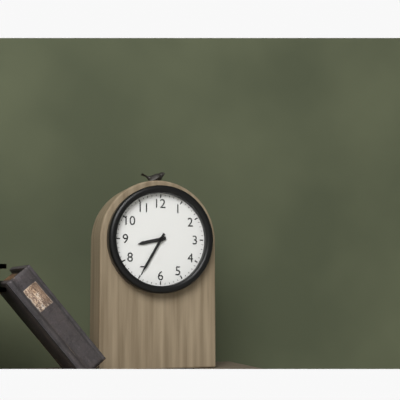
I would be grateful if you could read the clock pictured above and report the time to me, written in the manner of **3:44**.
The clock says **8:35**
